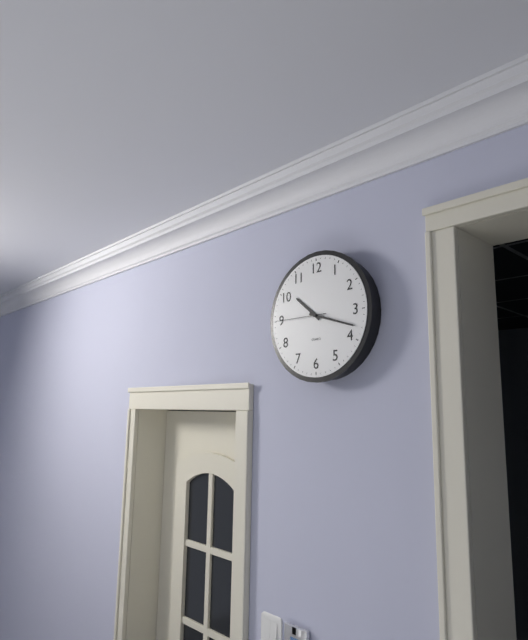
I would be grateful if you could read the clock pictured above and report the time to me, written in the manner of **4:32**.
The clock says **10:18**
